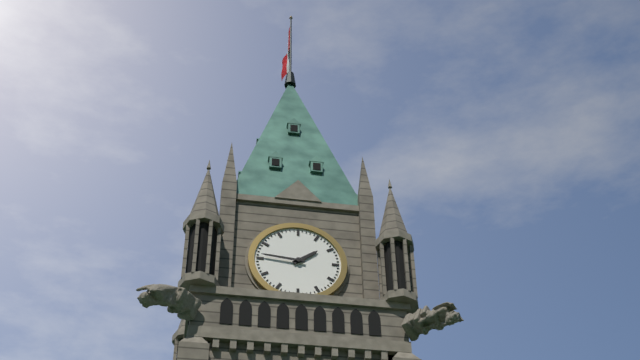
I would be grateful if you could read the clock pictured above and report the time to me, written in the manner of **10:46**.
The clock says **1:46**
